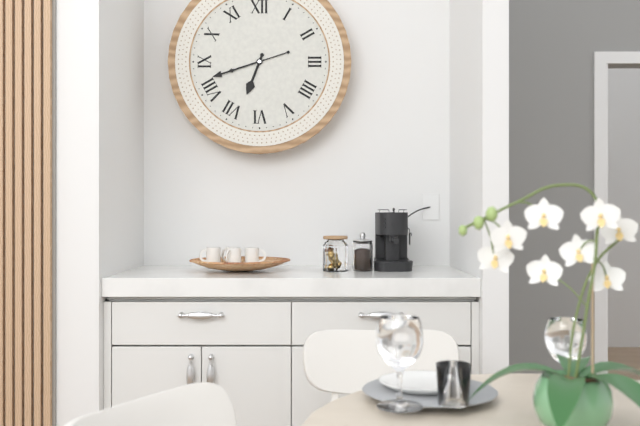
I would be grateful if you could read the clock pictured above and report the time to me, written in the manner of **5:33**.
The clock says **6:42**
